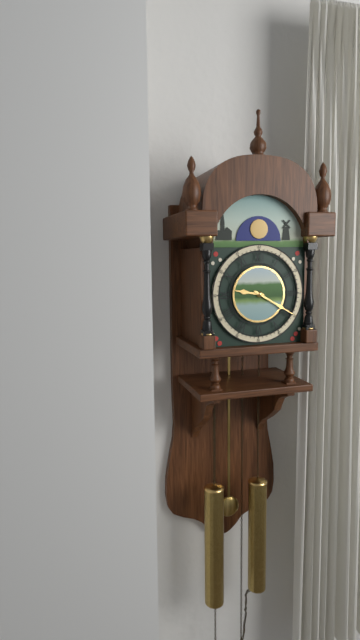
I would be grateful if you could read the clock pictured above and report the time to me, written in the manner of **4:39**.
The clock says **9:20**
